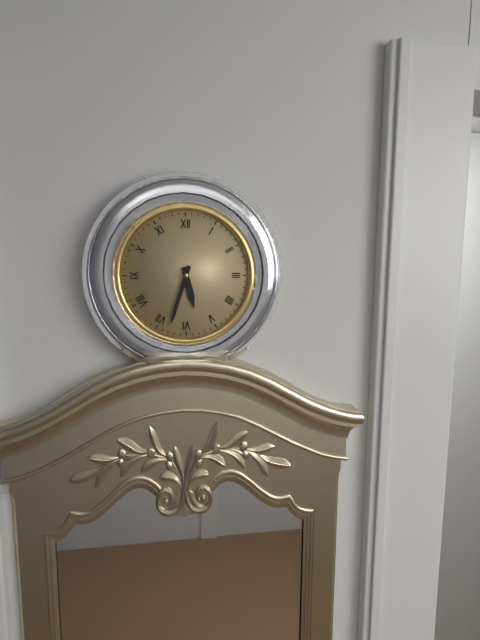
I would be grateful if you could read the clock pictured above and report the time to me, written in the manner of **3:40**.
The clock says **5:33**
